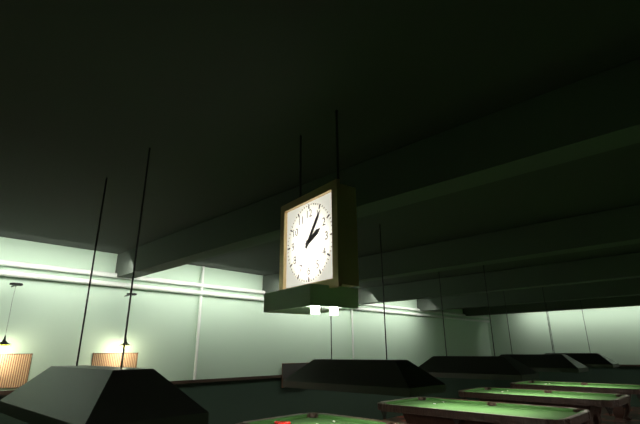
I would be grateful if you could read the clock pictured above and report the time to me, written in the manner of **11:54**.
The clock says **2:06**
